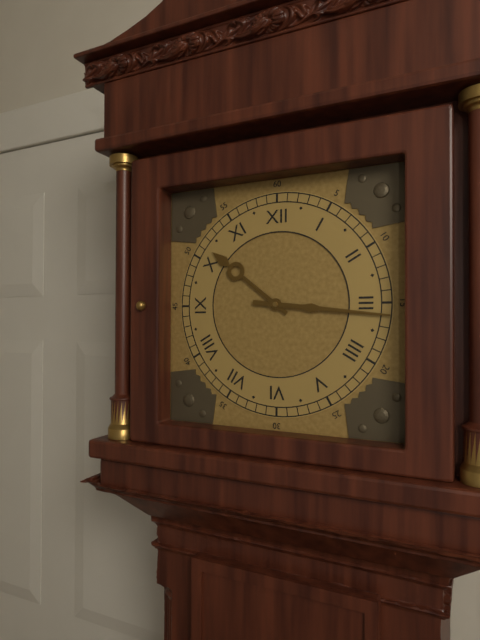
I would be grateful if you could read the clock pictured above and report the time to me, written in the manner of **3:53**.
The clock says **10:16**
